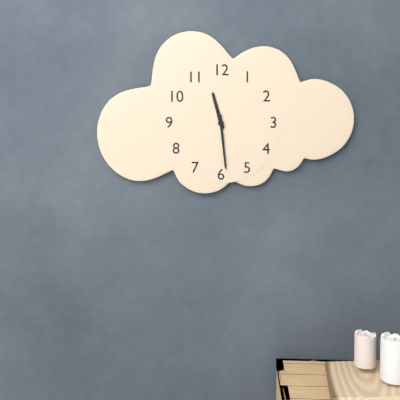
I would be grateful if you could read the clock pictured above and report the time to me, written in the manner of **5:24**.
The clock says **11:29**
